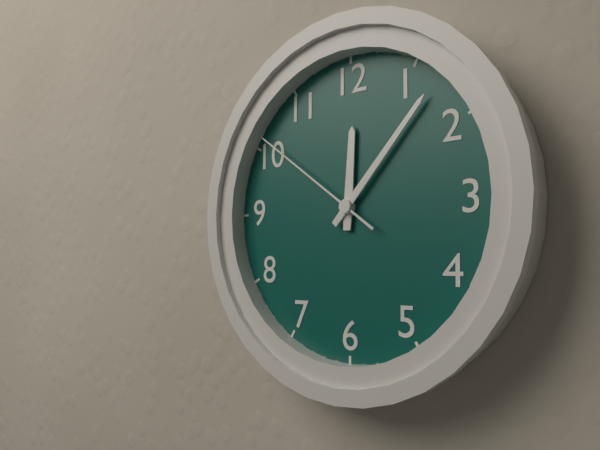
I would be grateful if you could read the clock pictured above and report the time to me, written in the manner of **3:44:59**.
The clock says **12:07:51**
